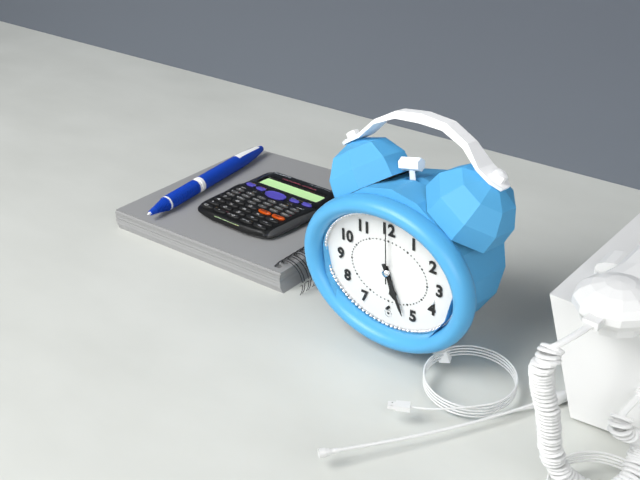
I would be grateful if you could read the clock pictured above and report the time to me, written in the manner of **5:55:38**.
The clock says **5:26:00**
